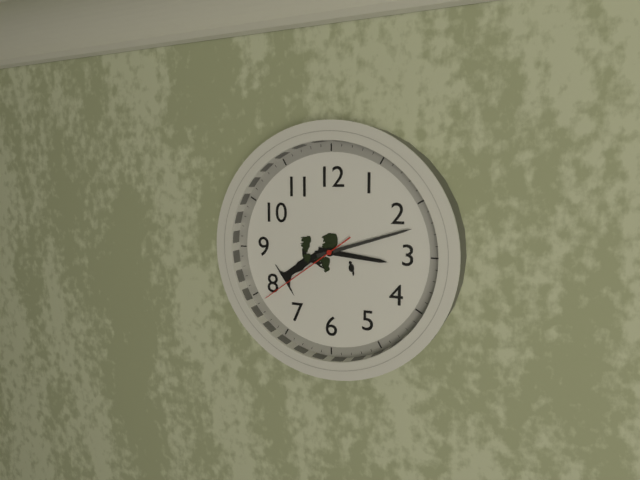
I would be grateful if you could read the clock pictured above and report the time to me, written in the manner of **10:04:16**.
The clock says **3:12:39**
